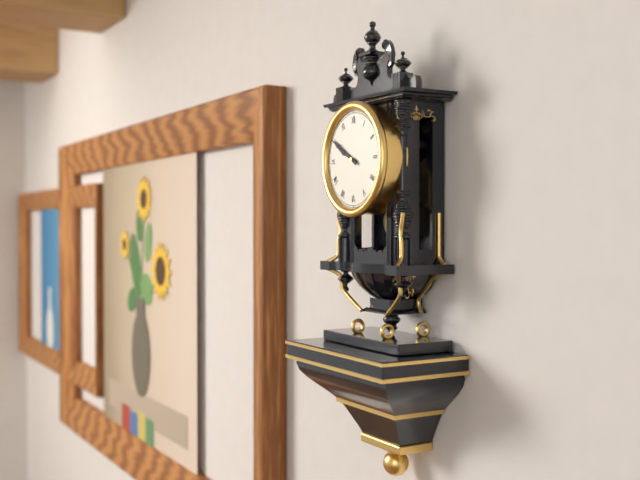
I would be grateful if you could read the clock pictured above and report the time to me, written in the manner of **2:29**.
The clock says **9:50**
